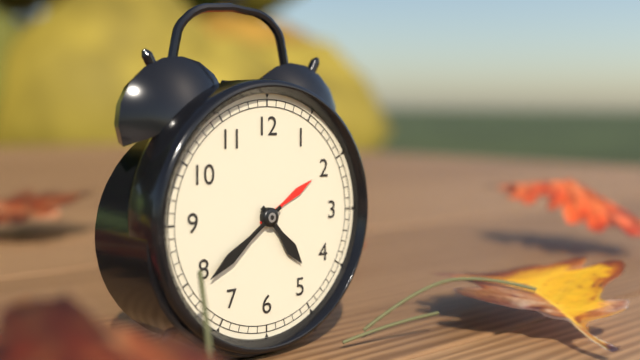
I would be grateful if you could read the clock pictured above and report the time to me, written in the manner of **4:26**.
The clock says **4:39**
